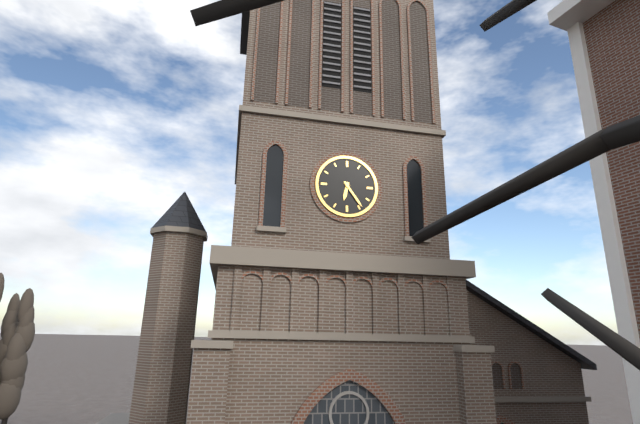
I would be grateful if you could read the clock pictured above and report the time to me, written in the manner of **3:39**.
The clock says **6:24**
